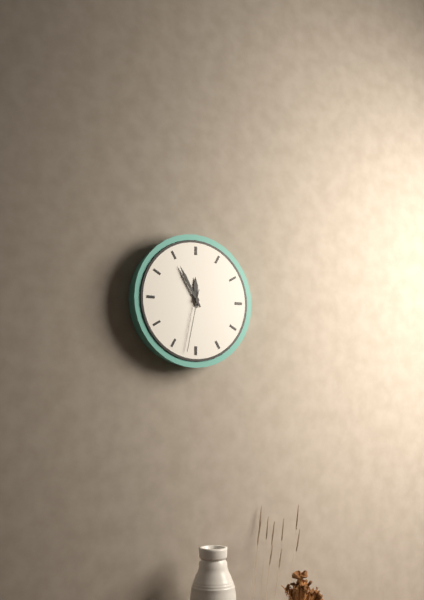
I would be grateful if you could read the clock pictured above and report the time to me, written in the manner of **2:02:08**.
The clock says **11:55:32**
